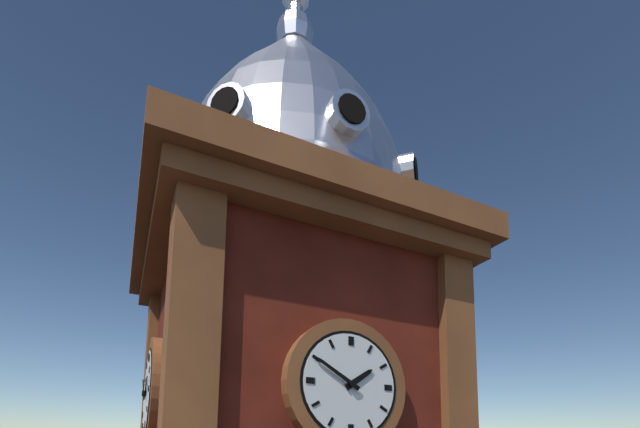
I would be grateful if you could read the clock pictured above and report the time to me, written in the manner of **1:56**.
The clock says **1:50**
